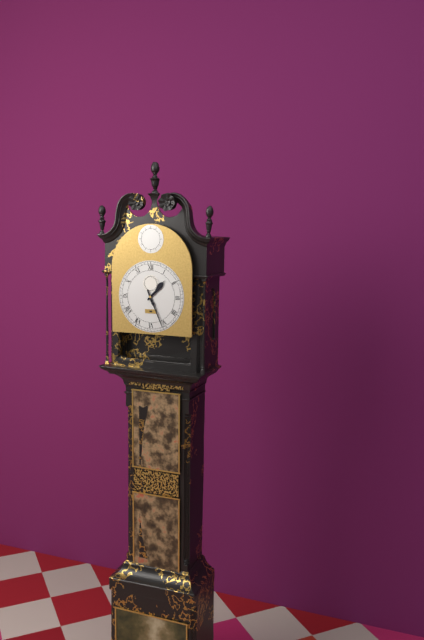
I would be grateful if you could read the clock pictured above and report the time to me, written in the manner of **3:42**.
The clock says **1:26**
